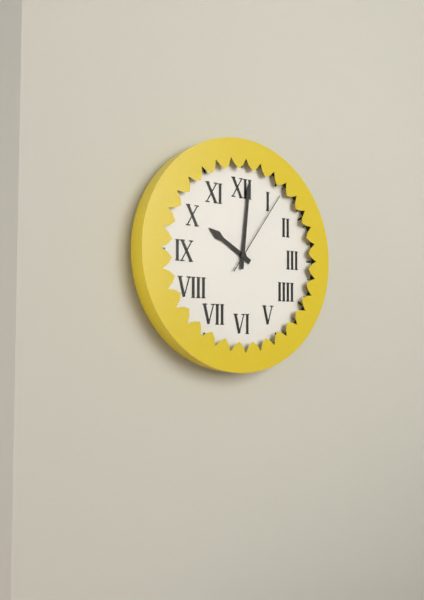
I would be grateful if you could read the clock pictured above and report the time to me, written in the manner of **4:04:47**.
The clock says **10:01:06**
